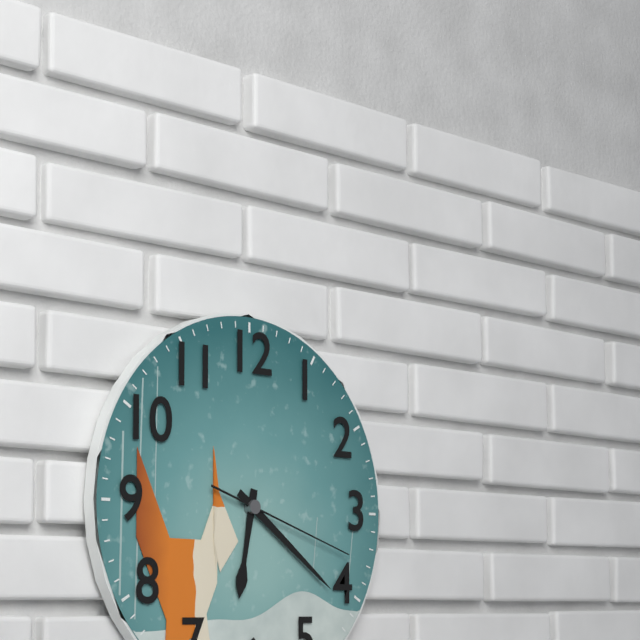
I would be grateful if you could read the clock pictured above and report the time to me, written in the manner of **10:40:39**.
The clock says **6:21:18**
